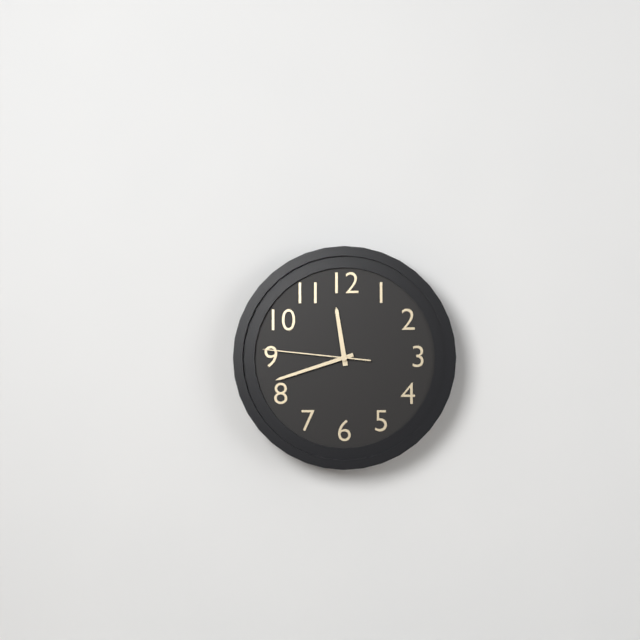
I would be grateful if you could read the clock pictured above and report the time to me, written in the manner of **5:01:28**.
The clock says **11:42:46**
